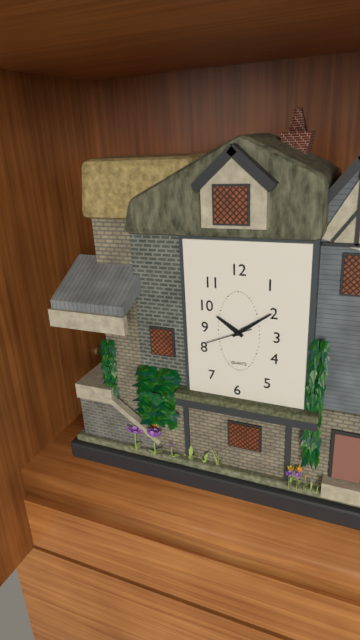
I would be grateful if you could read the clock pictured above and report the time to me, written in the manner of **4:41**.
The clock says **10:09**
